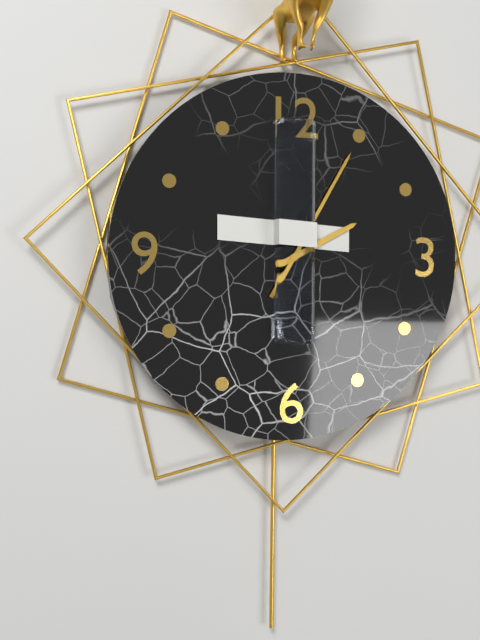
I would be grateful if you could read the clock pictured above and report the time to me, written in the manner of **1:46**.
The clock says **2:05**
